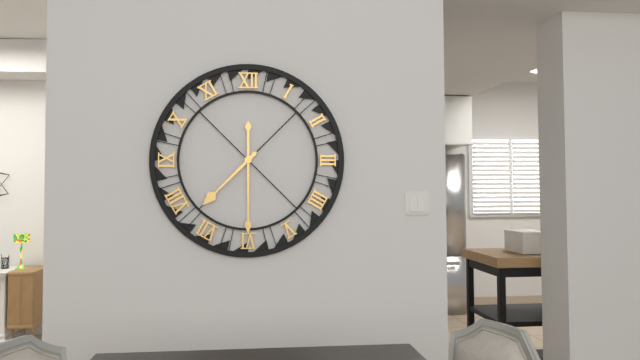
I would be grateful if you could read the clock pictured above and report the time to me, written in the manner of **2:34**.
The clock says **7:30**
